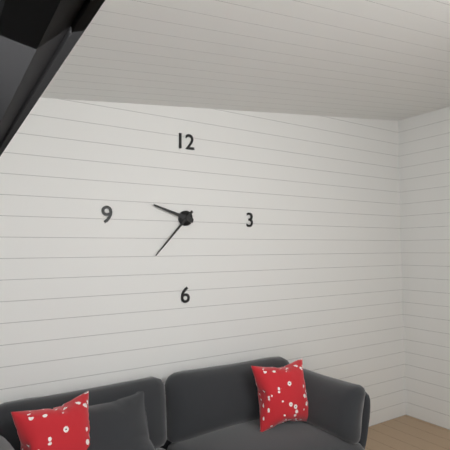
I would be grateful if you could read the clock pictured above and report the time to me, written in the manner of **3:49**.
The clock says **9:37**
